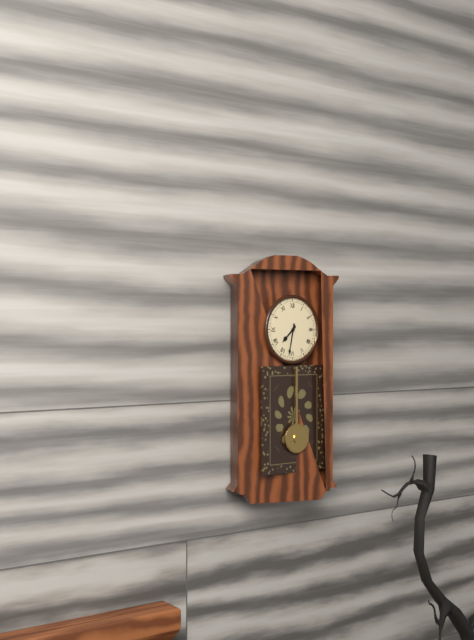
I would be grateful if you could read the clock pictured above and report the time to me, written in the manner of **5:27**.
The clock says **7:32**
